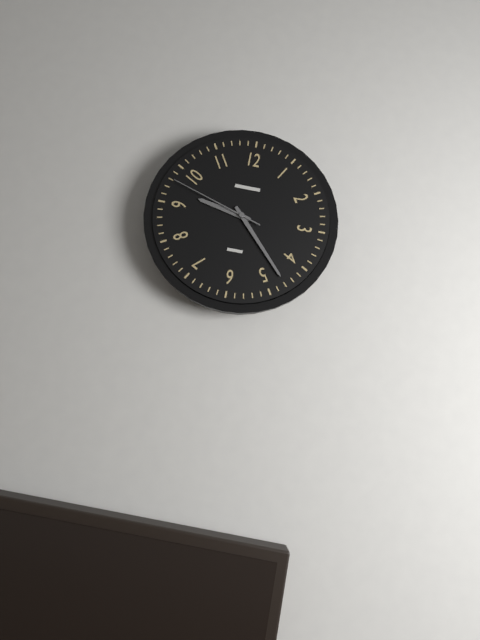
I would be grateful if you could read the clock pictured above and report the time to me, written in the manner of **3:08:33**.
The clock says **9:23:48**
